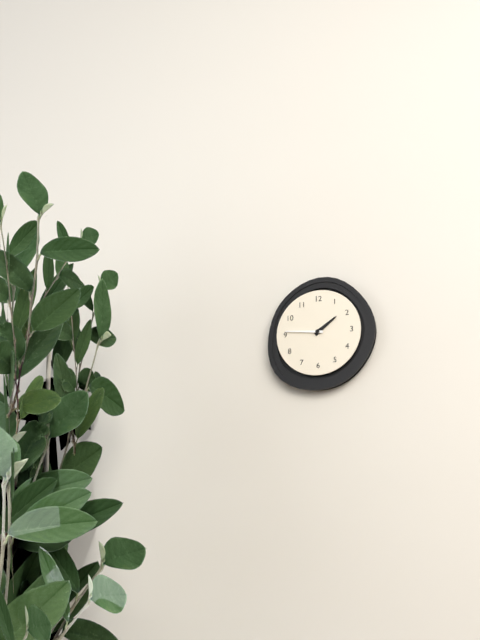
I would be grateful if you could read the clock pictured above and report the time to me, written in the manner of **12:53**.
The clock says **1:46**
